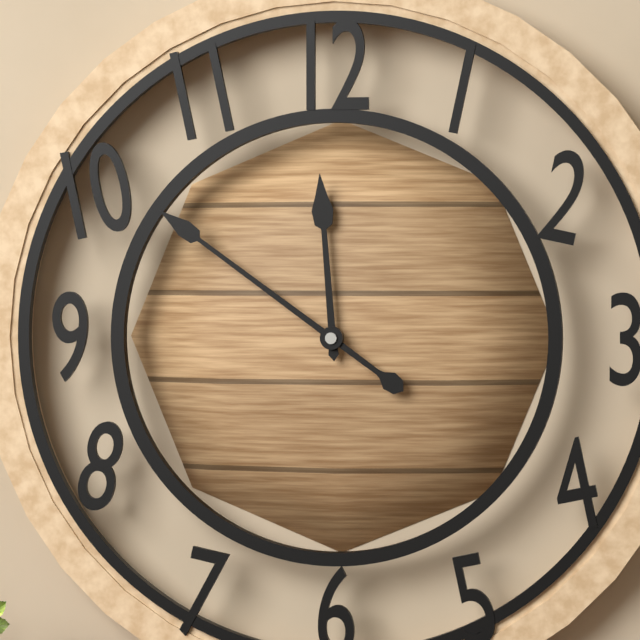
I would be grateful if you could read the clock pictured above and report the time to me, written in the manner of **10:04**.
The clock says **11:51**
